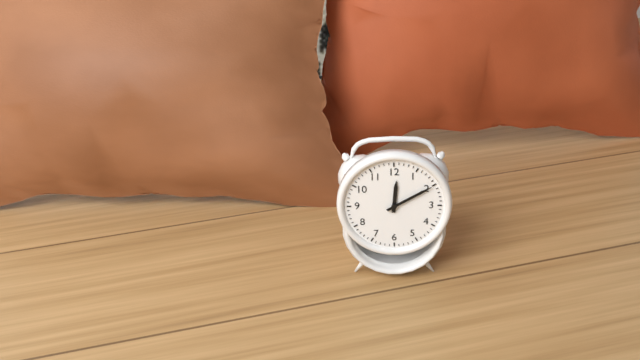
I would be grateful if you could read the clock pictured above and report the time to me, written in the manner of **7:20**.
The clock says **12:10**
